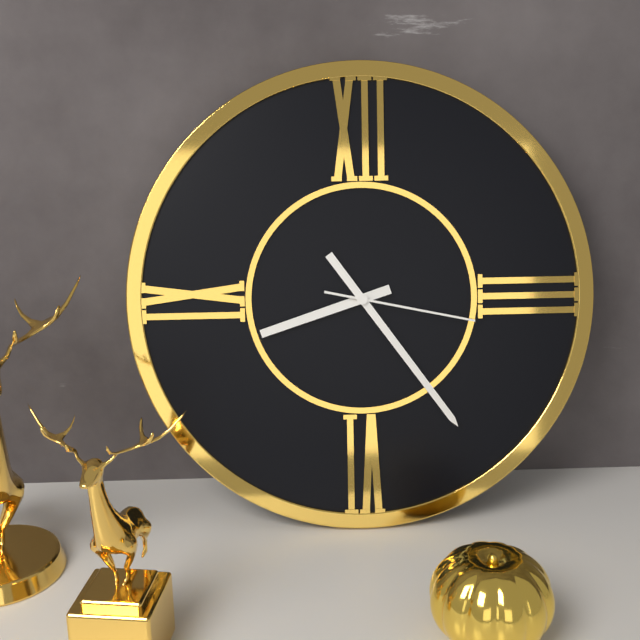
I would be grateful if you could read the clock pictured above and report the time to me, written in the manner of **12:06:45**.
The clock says **8:24:17**
